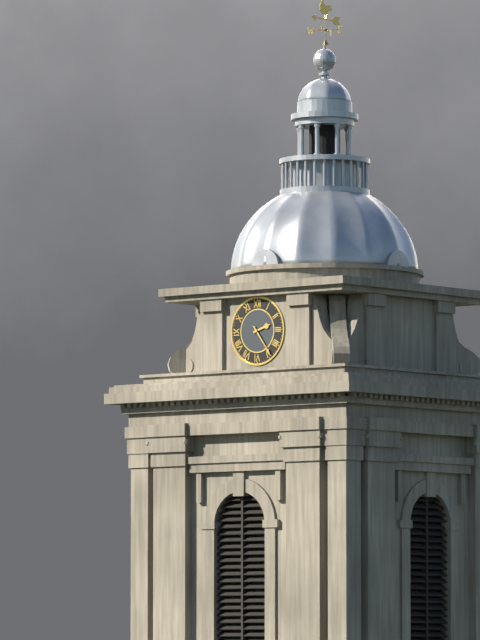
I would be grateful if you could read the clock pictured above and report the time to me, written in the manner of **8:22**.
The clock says **2:24**
